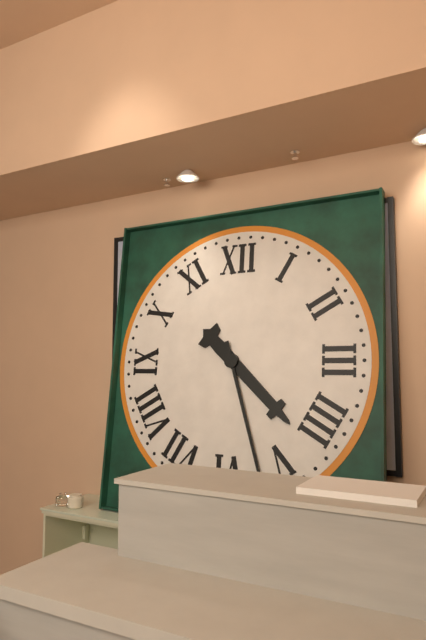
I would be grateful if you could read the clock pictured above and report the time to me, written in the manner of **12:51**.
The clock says **4:27**
